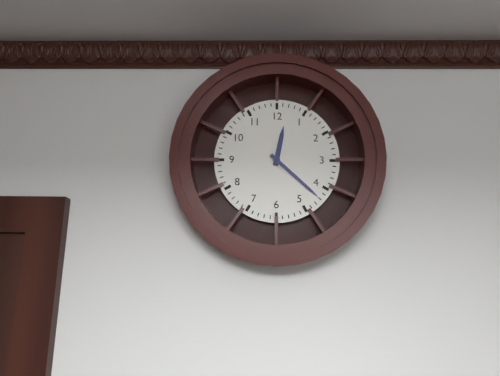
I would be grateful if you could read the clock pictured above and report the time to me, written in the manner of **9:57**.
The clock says **12:22**
